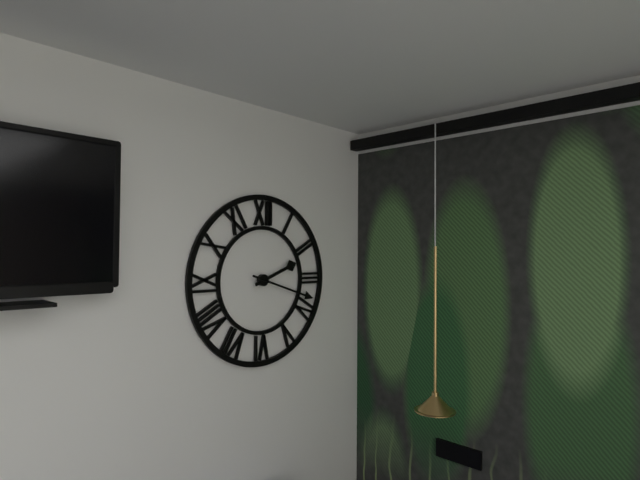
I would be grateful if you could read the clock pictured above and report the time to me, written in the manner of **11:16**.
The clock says **2:18**
